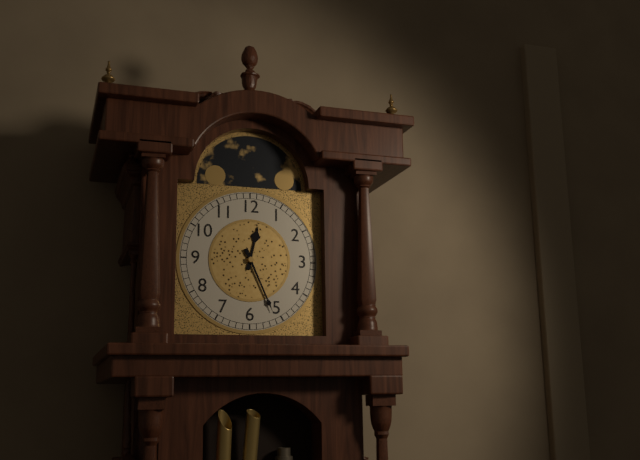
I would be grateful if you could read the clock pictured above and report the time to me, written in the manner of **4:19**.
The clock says **12:26**
